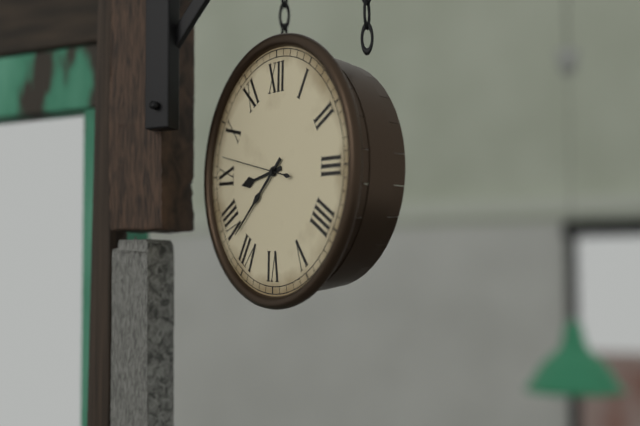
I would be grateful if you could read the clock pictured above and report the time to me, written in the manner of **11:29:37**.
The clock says **8:38:47**
